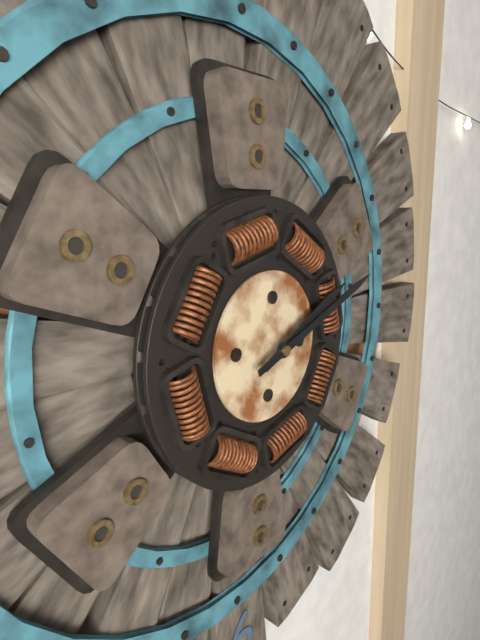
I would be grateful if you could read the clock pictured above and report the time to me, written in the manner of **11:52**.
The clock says **2:12**
